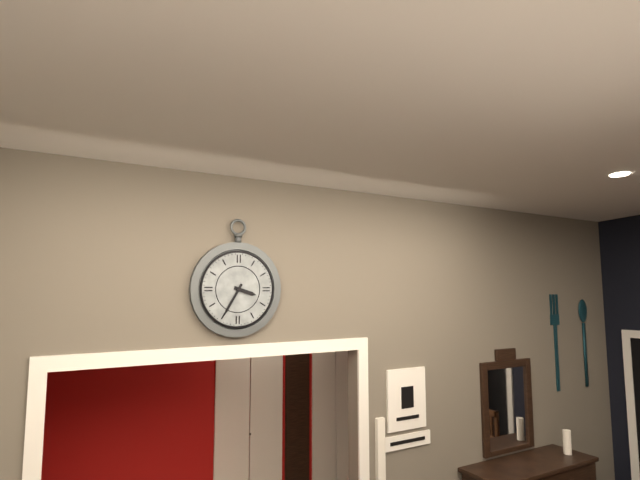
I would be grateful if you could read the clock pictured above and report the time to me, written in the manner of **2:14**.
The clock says **3:35**
